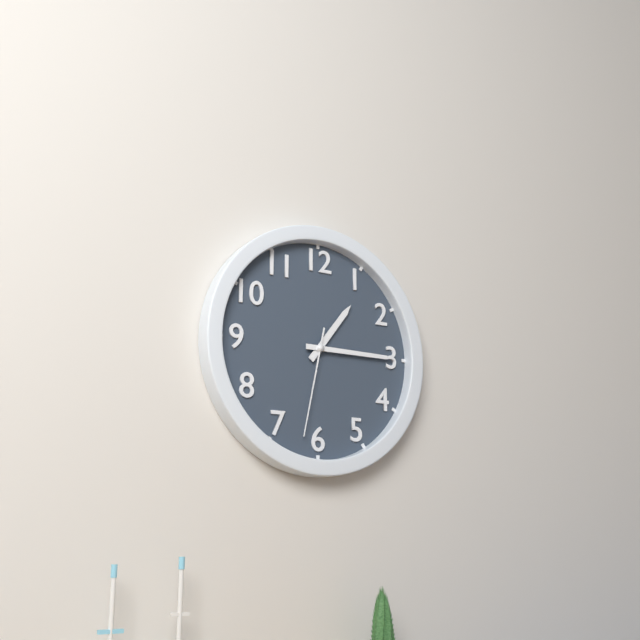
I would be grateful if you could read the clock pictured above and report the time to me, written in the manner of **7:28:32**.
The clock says **1:15:32**
